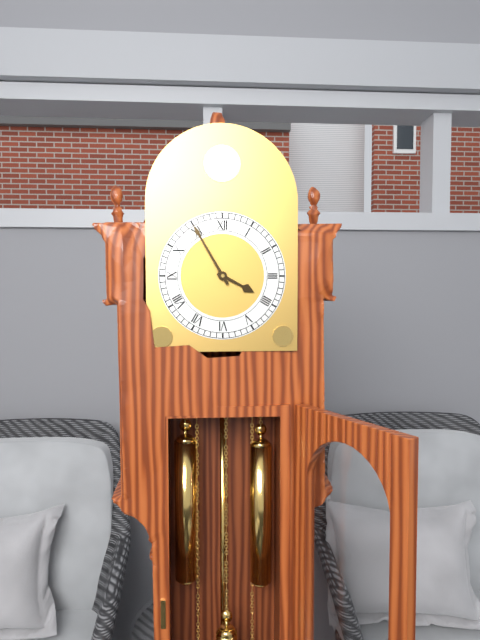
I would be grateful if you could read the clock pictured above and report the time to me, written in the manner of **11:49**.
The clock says **3:55**
